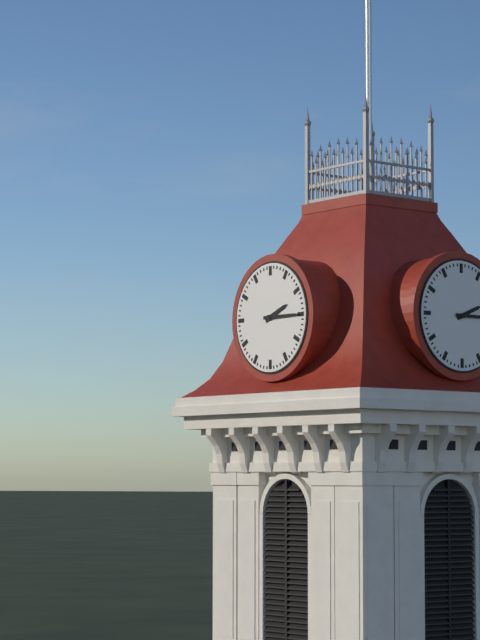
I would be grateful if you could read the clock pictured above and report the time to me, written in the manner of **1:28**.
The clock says **2:15**
